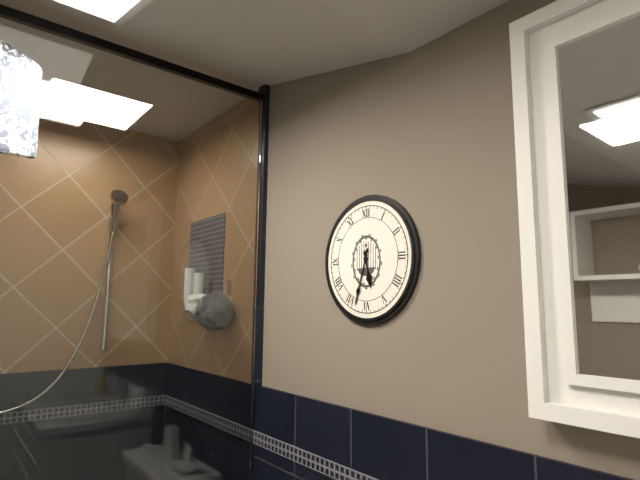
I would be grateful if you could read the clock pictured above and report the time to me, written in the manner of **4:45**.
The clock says **5:33**
